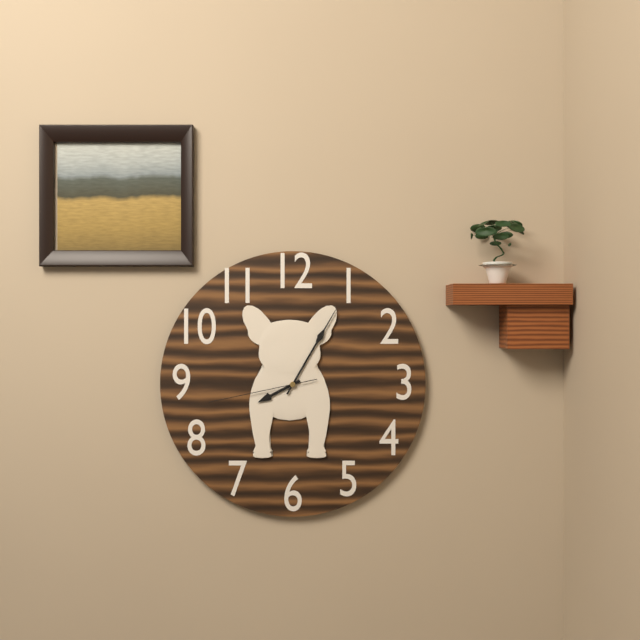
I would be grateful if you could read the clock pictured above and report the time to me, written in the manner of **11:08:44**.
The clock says **8:05:43**
